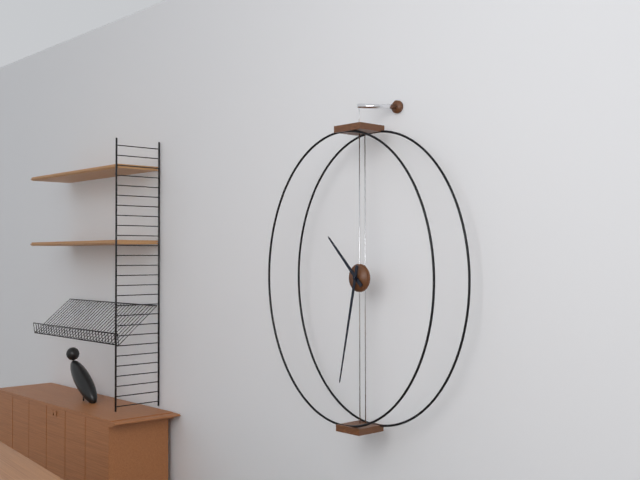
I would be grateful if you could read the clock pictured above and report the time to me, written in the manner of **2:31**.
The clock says **10:32**
